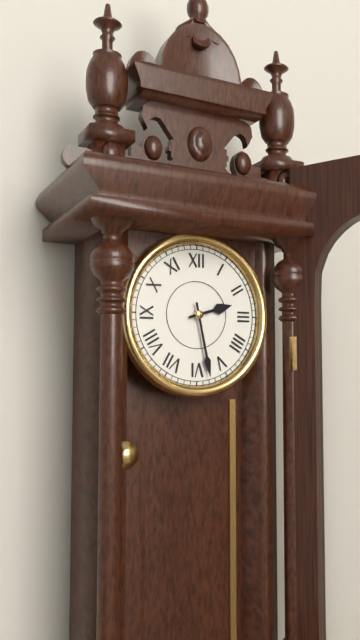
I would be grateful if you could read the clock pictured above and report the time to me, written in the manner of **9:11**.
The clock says **2:28**
